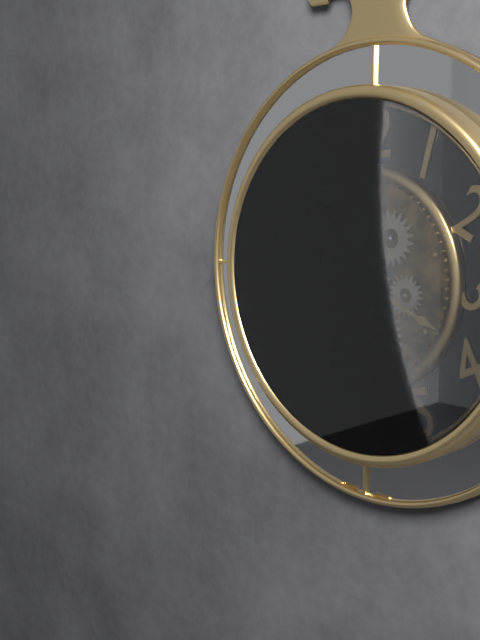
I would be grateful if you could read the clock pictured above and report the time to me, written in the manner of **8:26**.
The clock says **3:44**
